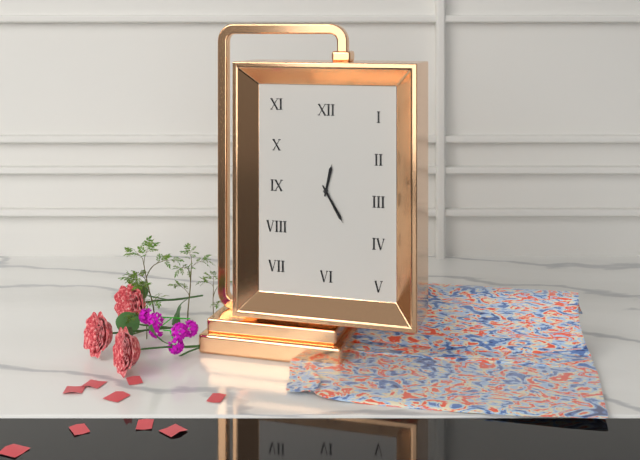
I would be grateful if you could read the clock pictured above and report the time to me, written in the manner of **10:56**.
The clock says **12:25**
